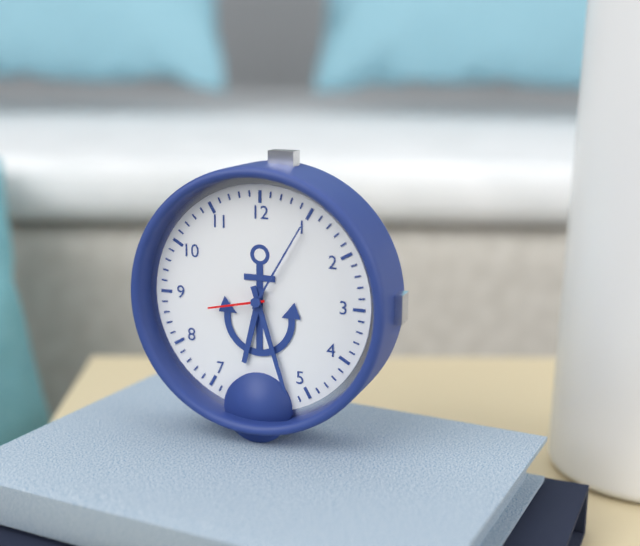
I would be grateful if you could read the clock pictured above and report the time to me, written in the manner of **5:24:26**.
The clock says **6:27:43**
